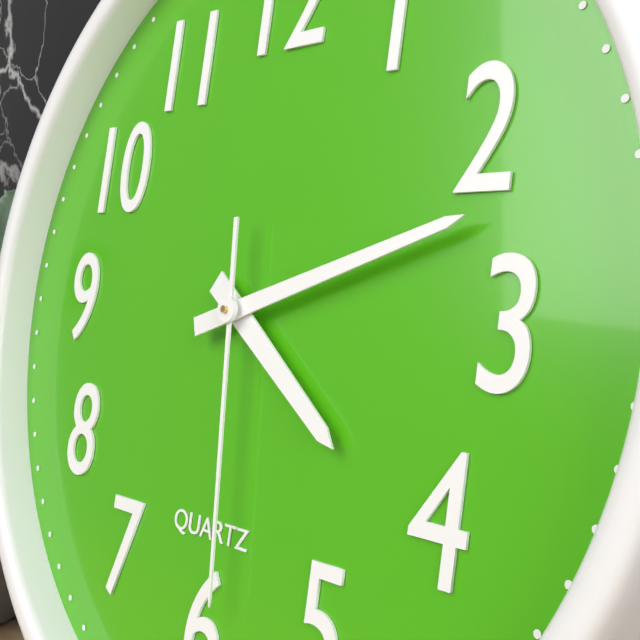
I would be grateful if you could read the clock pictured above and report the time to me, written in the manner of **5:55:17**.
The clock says **4:12:29**
